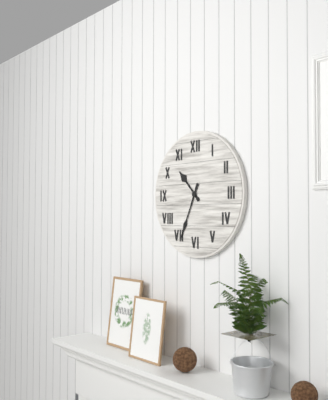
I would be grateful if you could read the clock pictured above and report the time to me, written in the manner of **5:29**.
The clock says **10:34**
